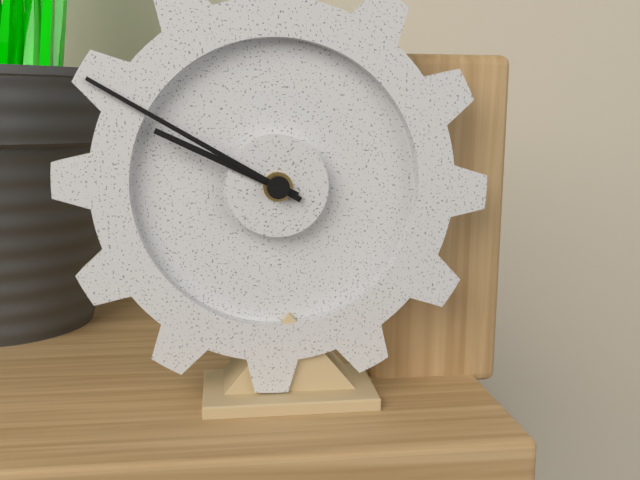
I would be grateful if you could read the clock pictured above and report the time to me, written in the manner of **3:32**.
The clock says **9:50**
